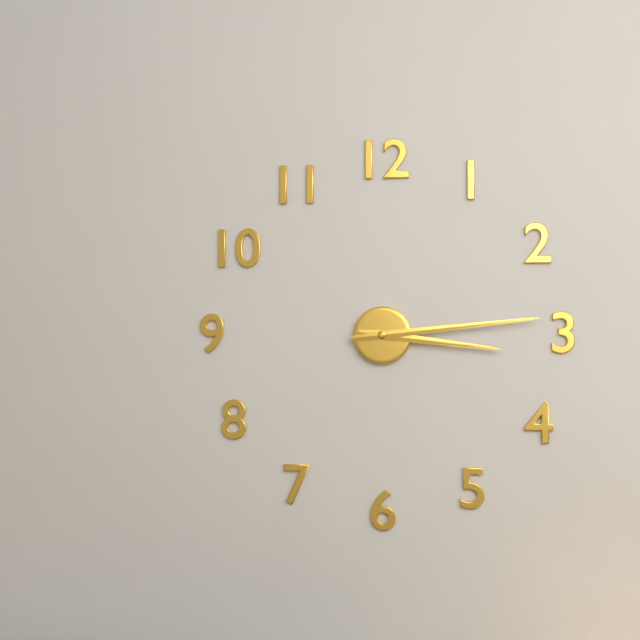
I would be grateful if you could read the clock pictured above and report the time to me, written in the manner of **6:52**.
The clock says **3:14**
